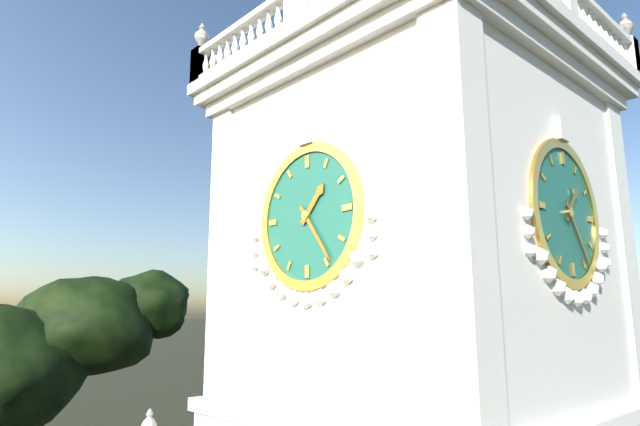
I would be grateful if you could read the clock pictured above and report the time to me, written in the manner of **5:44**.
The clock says **1:24**
